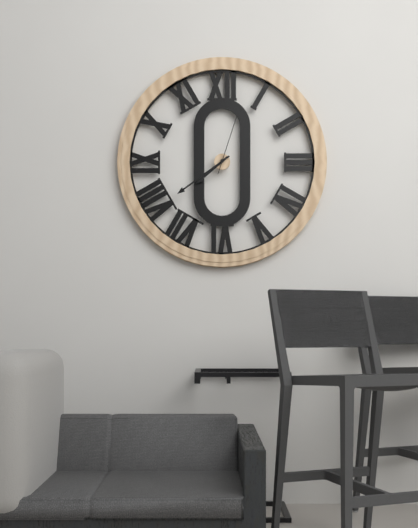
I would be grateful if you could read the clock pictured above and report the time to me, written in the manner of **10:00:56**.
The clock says **7:39:03**
